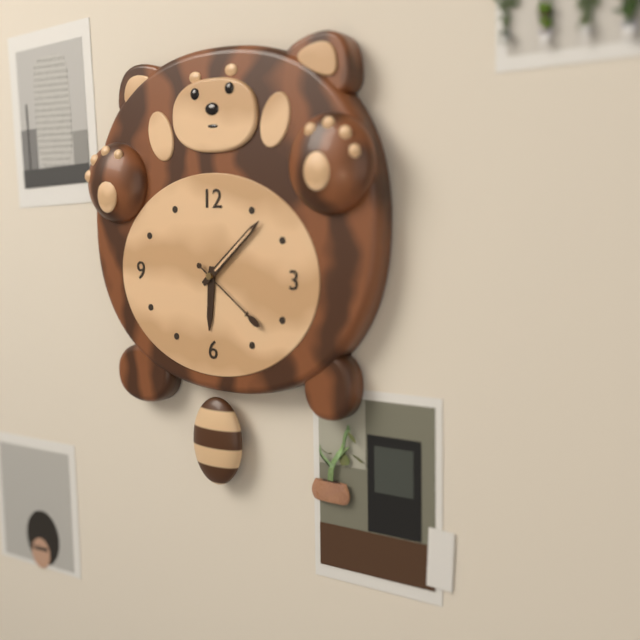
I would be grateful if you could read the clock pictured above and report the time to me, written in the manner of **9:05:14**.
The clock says **6:08:21**
